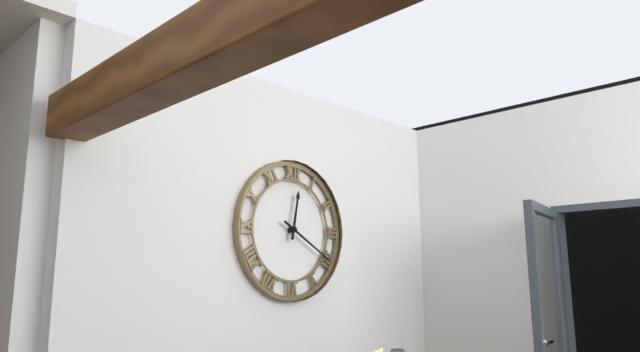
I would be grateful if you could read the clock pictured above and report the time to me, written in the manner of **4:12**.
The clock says **12:20**
